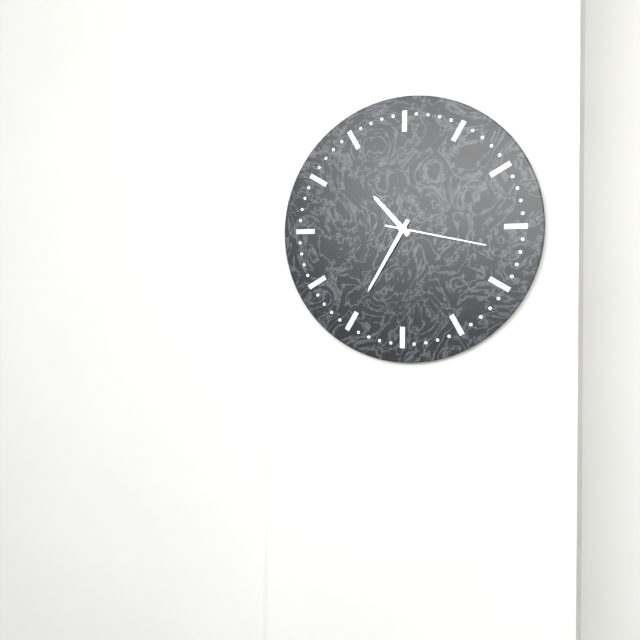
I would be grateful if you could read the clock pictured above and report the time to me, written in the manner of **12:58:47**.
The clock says **10:35:17**
